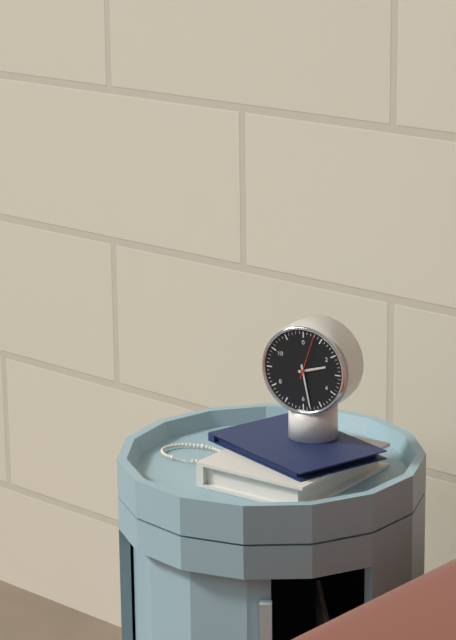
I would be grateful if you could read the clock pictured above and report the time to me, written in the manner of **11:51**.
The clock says **2:28**
